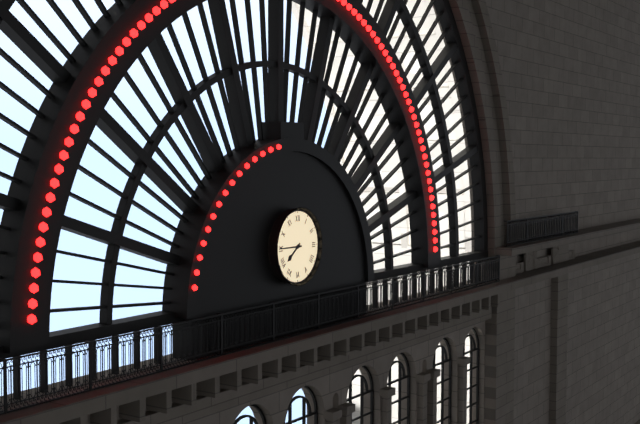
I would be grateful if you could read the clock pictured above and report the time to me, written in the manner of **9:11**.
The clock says **7:45**
